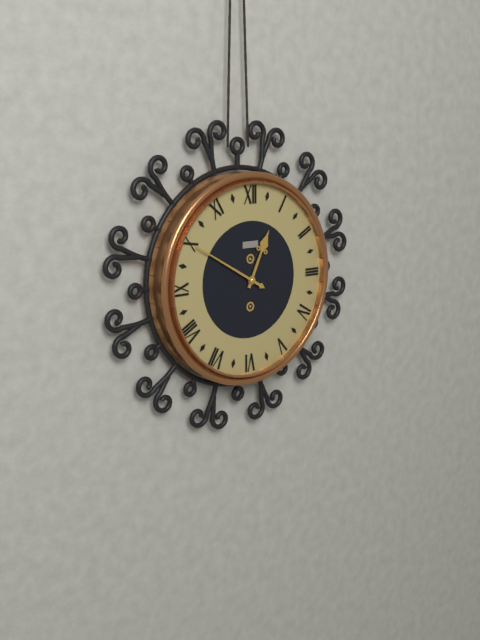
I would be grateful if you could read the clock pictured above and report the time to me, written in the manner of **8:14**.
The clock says **12:50**
